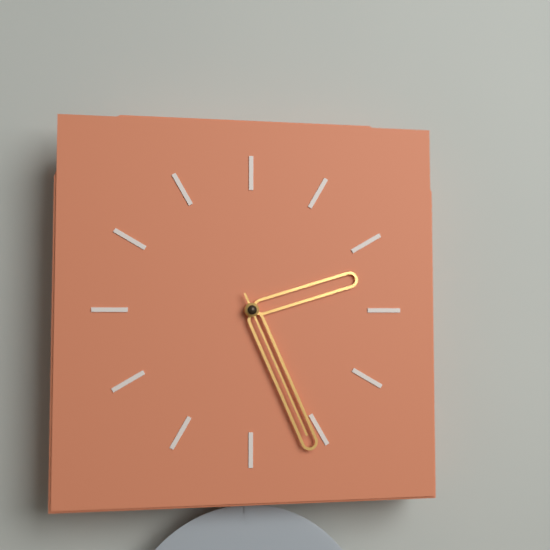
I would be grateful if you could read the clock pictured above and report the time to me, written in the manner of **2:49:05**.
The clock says **2:26:26**
